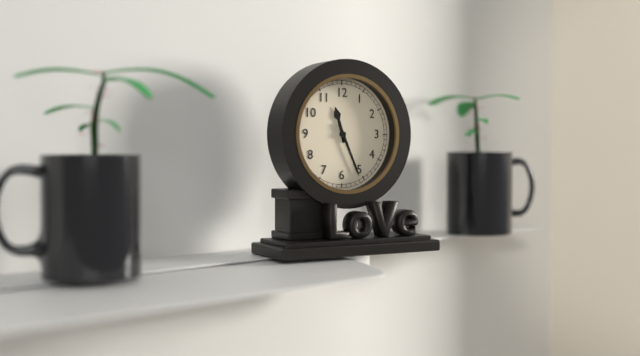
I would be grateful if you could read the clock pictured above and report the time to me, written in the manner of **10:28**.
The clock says **11:26**
